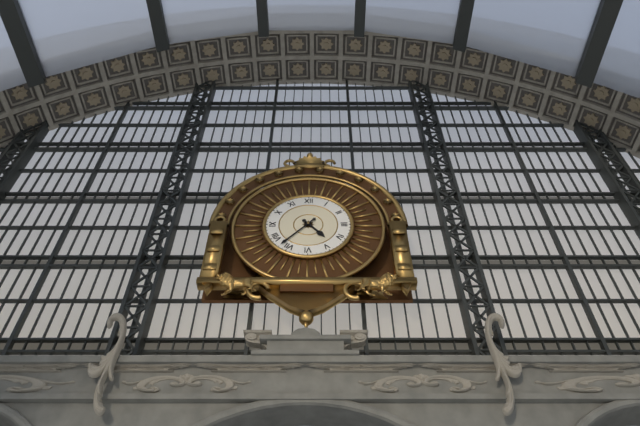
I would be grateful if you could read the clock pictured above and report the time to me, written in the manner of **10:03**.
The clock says **4:37**
